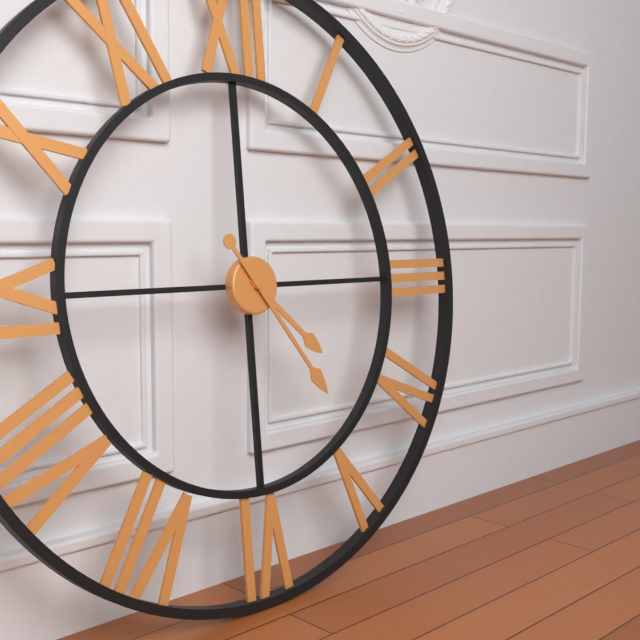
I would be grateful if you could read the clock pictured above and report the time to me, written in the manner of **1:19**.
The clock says **4:24**
